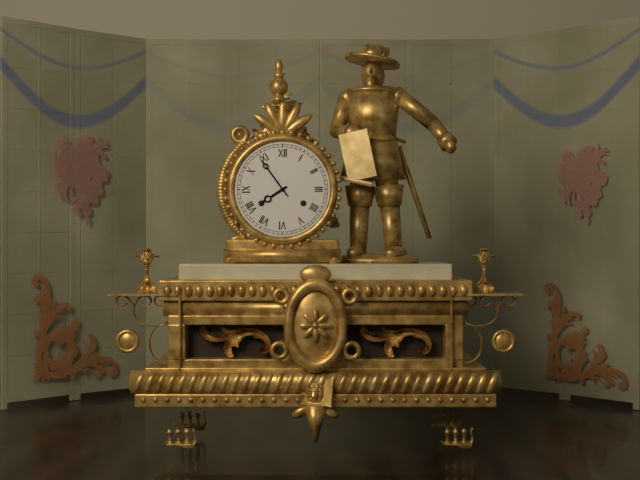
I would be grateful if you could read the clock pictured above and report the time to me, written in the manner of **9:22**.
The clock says **7:54**
